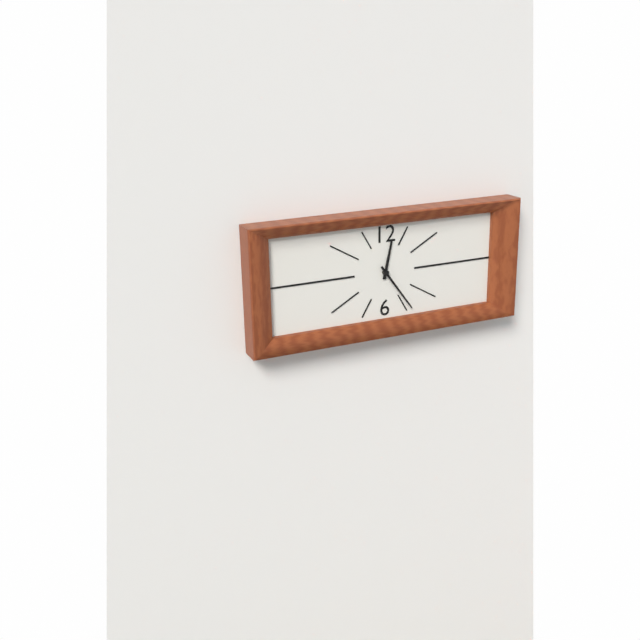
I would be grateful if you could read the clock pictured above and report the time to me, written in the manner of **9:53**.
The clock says **12:24**
